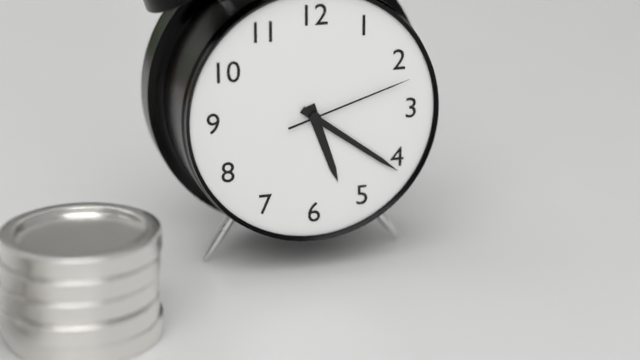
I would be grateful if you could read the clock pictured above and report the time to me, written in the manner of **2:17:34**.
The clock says **5:21:12**
